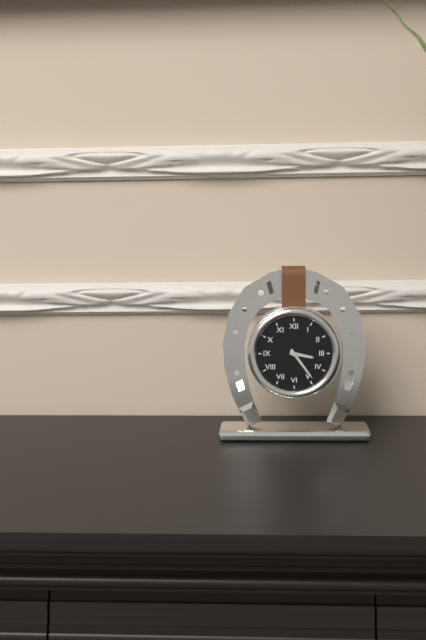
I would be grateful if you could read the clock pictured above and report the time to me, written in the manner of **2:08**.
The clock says **3:24**
